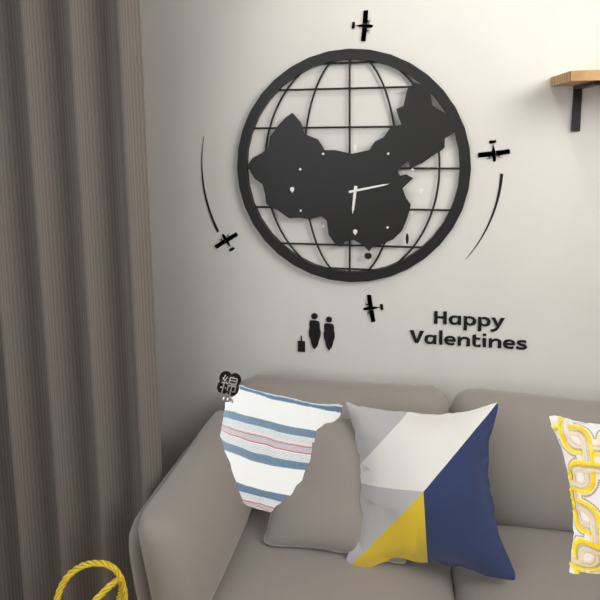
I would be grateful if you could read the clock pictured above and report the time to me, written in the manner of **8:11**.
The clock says **6:13**
